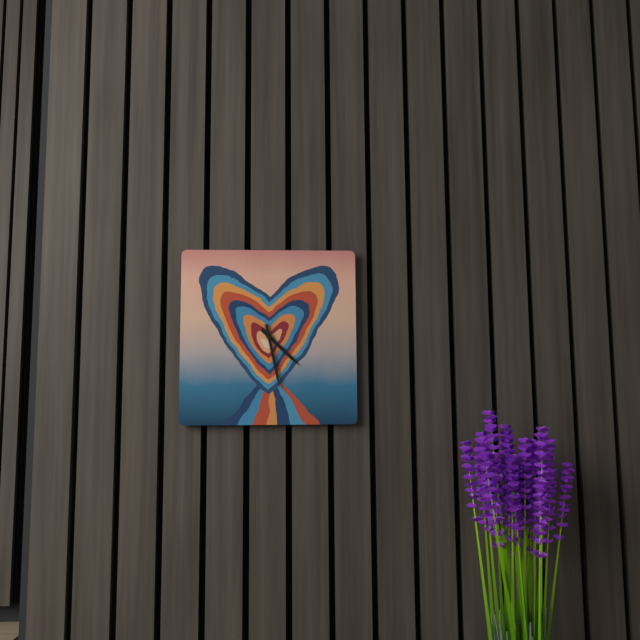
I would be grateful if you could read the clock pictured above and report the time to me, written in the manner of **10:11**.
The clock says **4:28**
